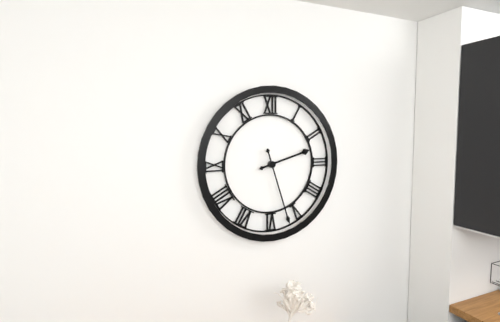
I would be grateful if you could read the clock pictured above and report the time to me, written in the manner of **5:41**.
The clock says **2:27**
